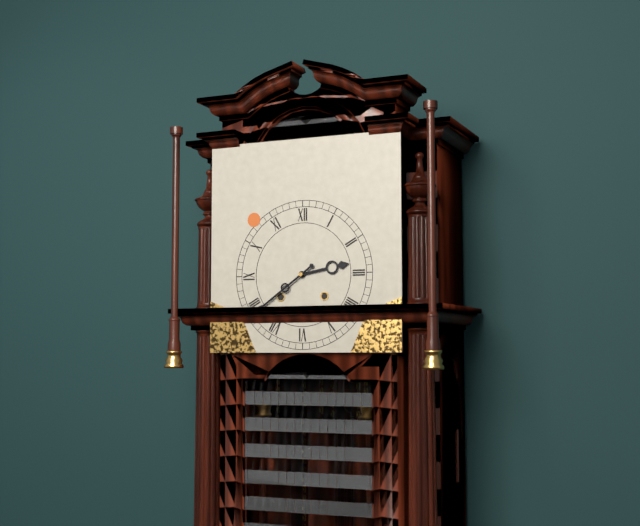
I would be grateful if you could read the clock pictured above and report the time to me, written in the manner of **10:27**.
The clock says **2:39**
